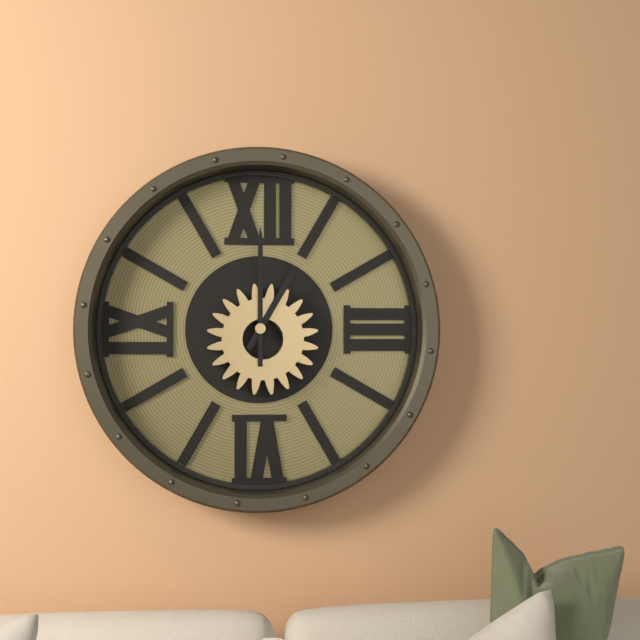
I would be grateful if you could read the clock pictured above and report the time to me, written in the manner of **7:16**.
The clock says **1:00**
